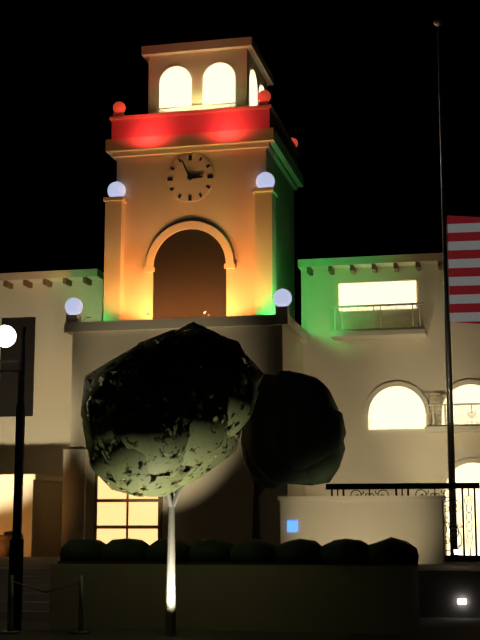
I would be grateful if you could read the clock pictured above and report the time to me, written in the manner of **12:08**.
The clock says **2:56**
